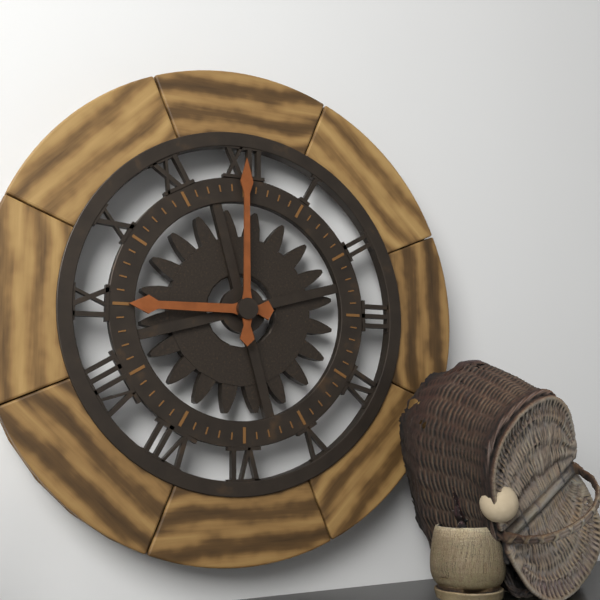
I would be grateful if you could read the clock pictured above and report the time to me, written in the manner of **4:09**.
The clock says **9:00**
